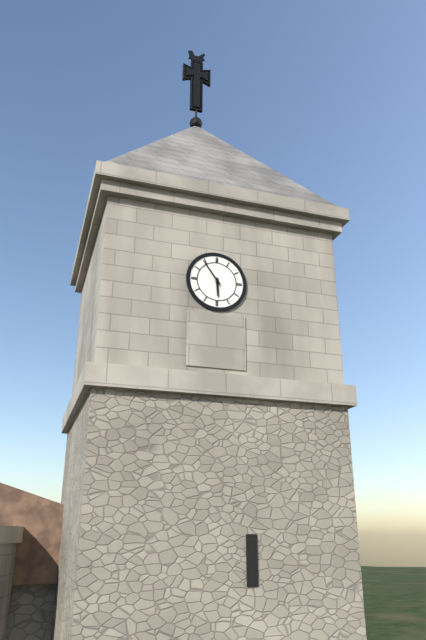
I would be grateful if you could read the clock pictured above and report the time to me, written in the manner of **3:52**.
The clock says **5:54**
